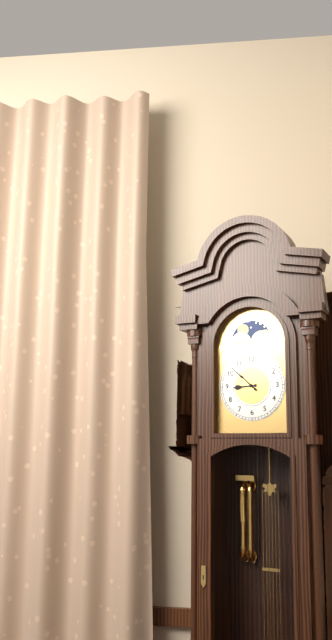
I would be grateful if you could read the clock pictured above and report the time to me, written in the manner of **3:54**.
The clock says **8:52**
